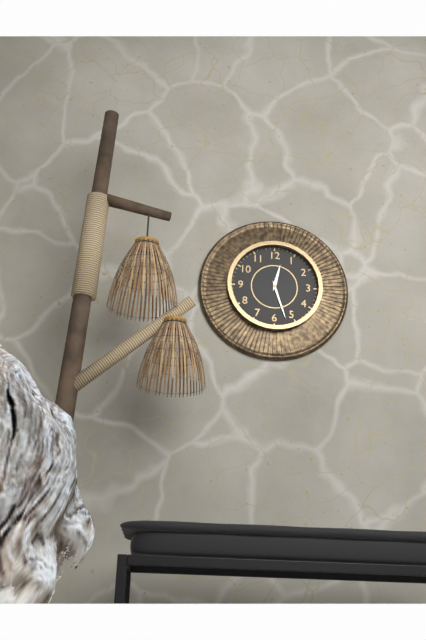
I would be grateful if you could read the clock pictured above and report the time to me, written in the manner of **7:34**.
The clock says **12:27**
